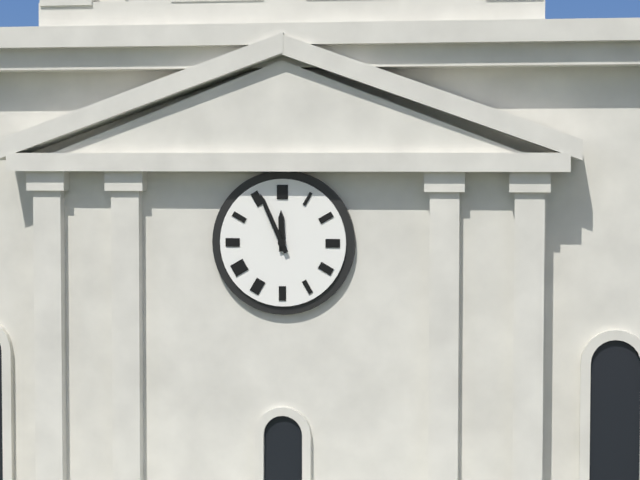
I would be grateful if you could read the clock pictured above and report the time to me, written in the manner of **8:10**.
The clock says **11:56**
